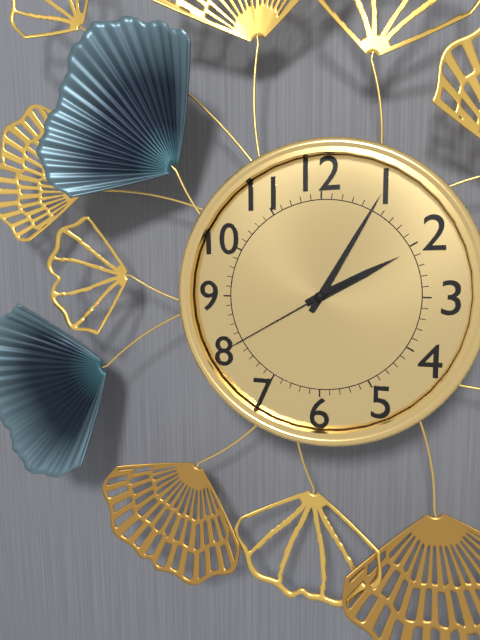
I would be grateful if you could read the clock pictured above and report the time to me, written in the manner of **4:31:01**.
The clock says **2:05:40**
